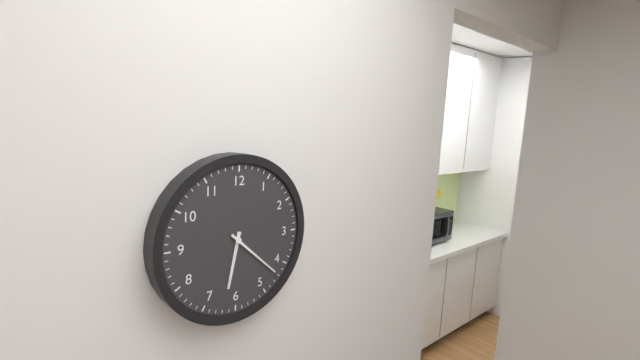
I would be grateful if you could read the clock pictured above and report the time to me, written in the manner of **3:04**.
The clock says **6:22**
